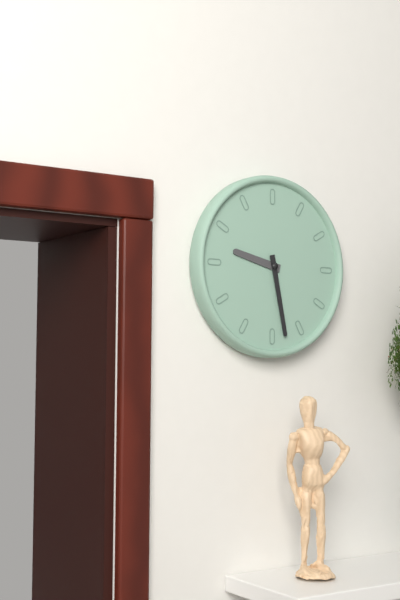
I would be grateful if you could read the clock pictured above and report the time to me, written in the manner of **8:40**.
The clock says **9:28**
